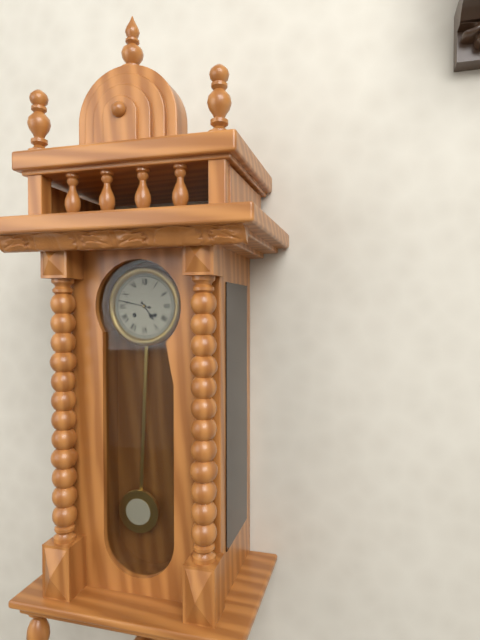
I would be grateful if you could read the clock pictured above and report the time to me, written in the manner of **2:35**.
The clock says **4:47**
